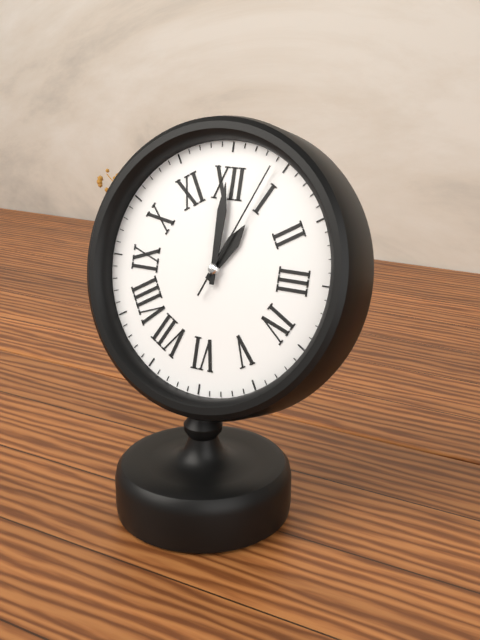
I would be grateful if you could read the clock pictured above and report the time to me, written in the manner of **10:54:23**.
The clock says **1:00:04**
